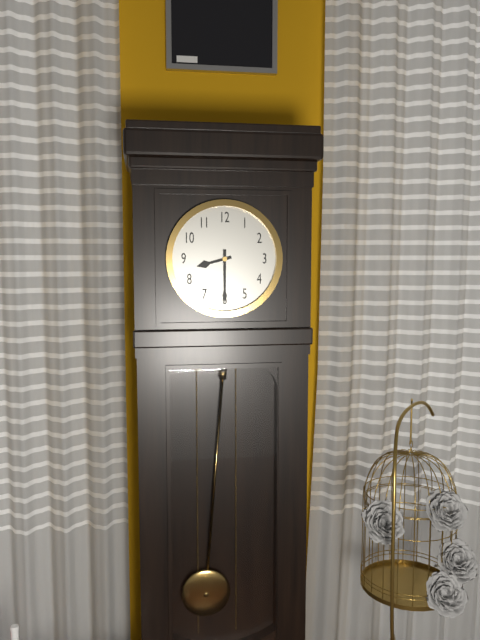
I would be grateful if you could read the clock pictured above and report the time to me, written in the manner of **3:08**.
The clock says **8:30**
